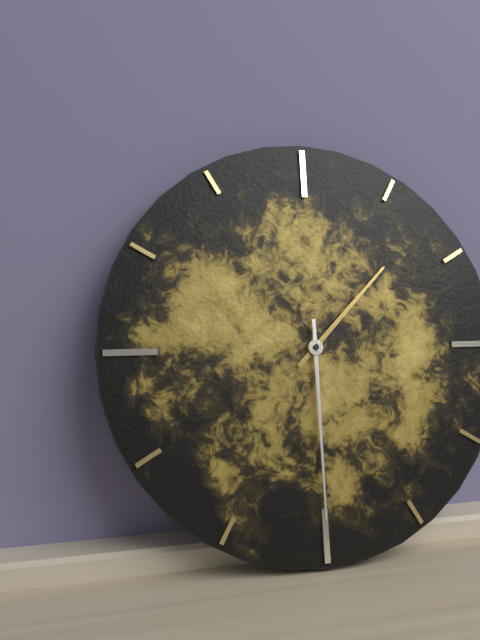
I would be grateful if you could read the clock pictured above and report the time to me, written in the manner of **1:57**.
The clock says **1:30**
